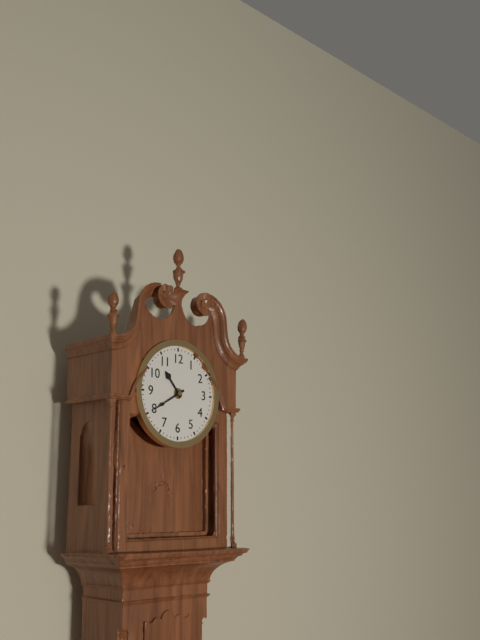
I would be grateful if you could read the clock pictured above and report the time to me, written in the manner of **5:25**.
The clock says **10:40**
